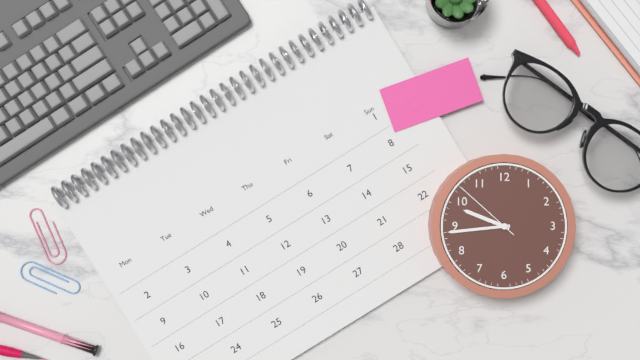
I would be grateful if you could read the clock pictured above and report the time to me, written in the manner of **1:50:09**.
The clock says **9:44:52**
